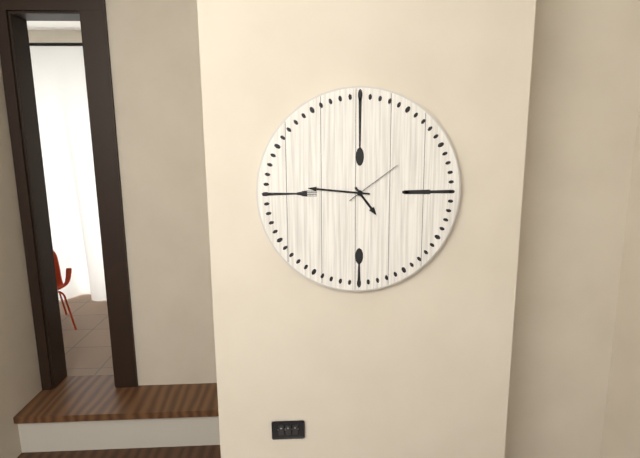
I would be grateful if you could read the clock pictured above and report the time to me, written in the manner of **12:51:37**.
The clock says **4:46:09**
